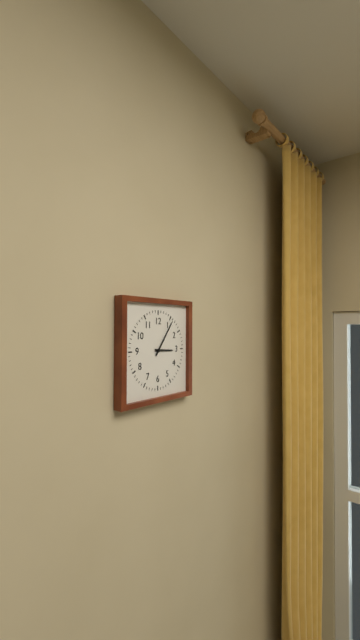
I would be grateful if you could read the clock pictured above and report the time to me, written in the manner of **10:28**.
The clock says **3:06**
